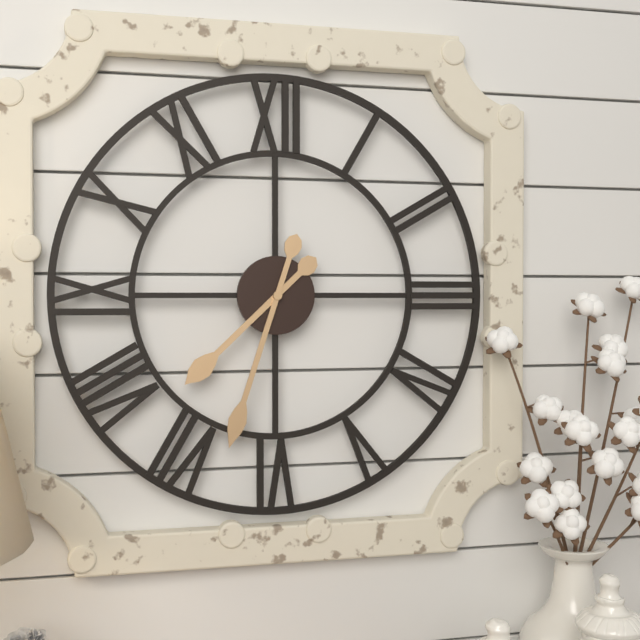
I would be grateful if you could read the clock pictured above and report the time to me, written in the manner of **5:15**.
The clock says **7:33**
